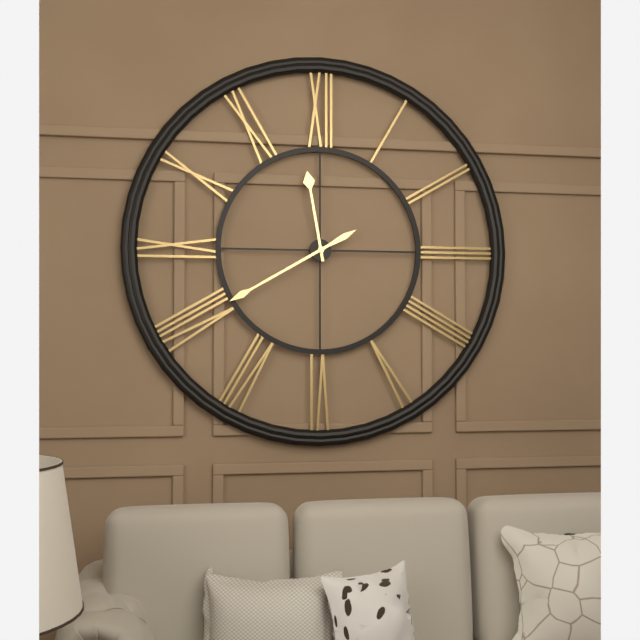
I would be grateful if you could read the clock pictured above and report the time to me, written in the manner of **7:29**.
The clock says **11:40**
